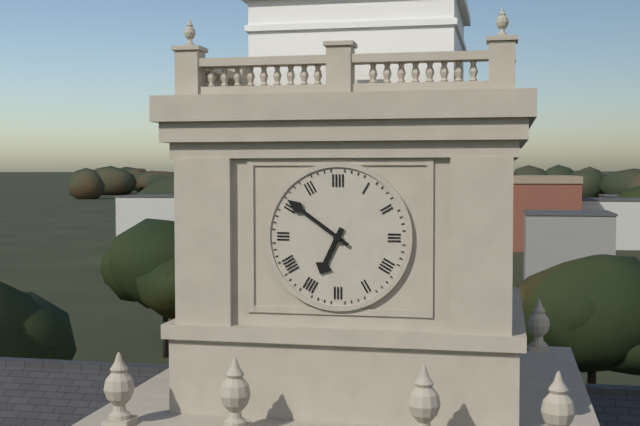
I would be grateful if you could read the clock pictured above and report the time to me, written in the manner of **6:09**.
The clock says **6:51**
